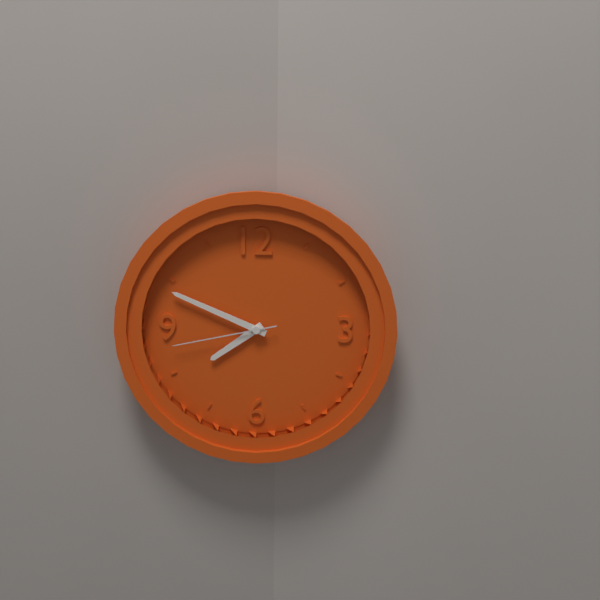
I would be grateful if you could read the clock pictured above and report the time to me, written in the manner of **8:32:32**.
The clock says **7:49:43**
